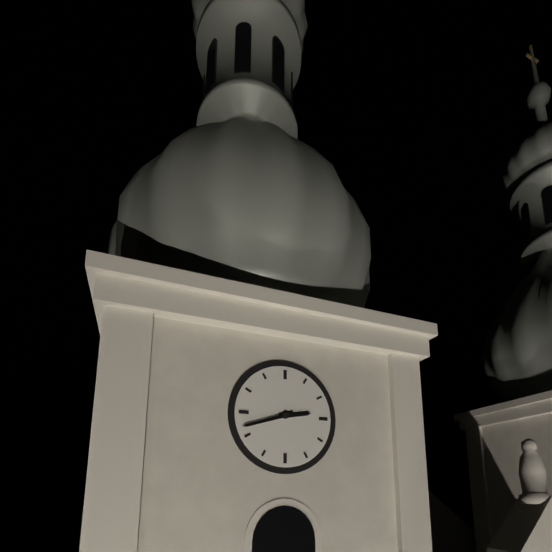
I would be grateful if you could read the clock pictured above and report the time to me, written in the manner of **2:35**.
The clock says **2:42**
